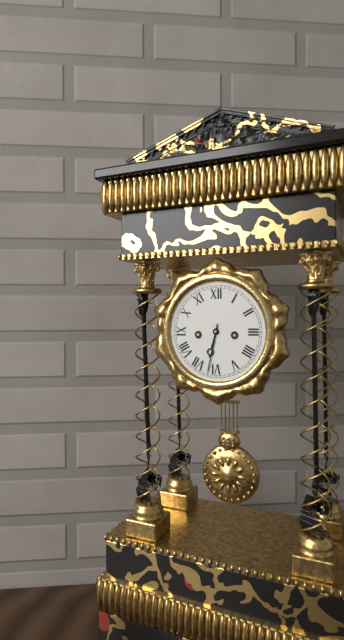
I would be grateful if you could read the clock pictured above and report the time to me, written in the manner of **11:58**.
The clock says **6:32**
